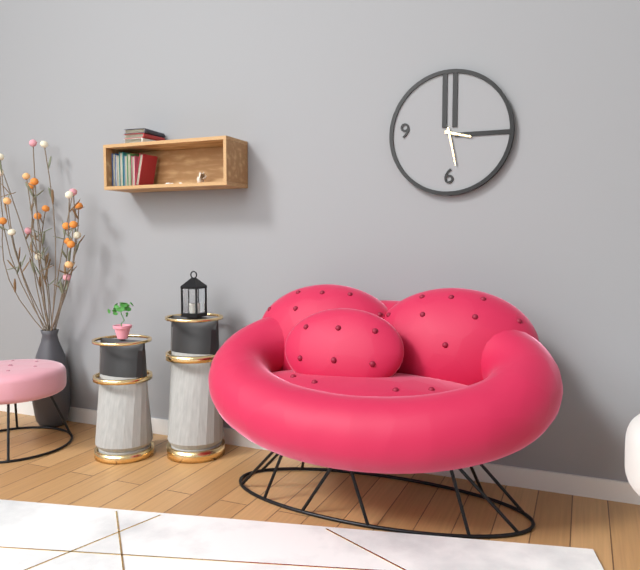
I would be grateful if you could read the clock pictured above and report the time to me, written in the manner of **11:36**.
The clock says **3:28**
